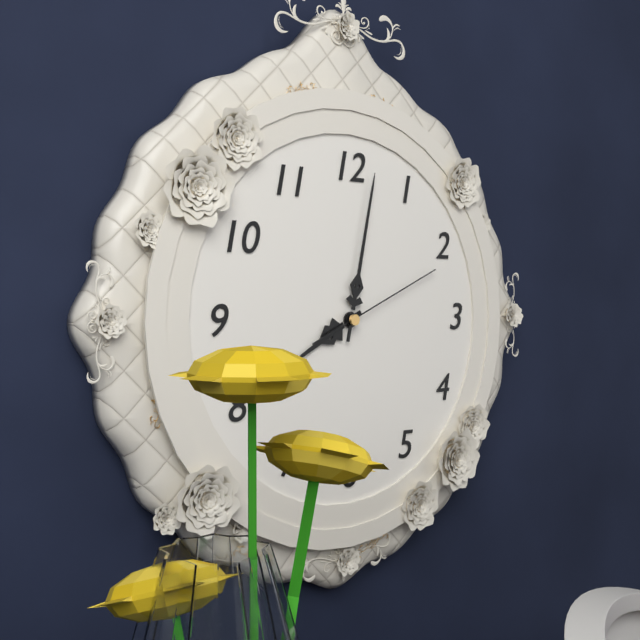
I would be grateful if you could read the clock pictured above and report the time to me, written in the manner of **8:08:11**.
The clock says **8:02:11**
